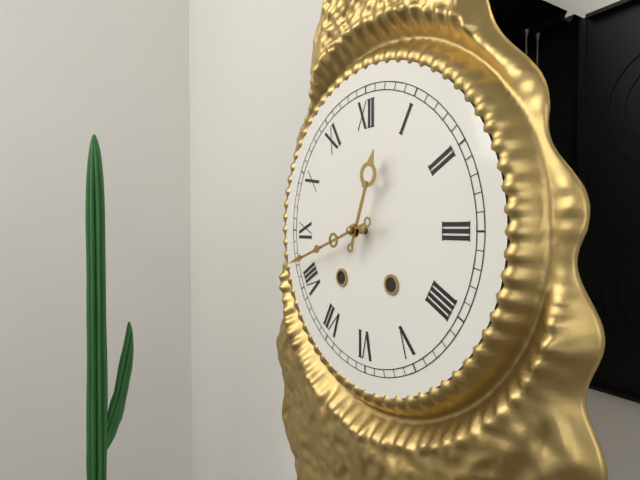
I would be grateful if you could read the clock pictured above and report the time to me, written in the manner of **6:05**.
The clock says **12:42**
